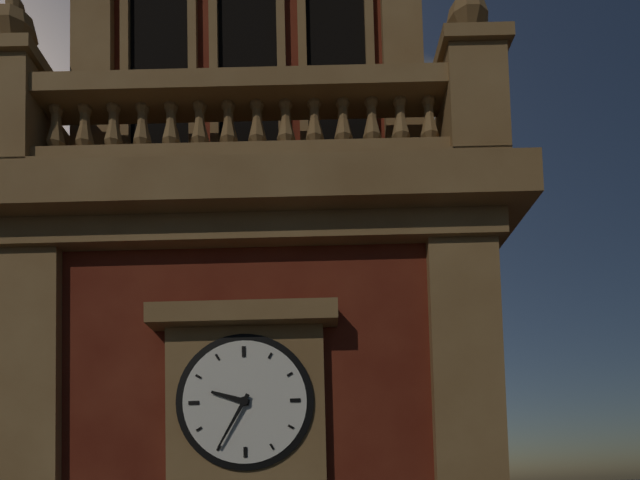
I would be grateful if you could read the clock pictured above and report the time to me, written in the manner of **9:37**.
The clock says **9:35**
